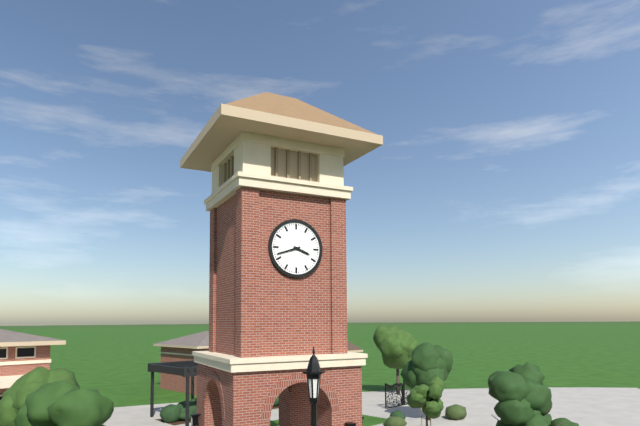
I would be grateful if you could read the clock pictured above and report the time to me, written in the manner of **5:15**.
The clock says **3:42**
